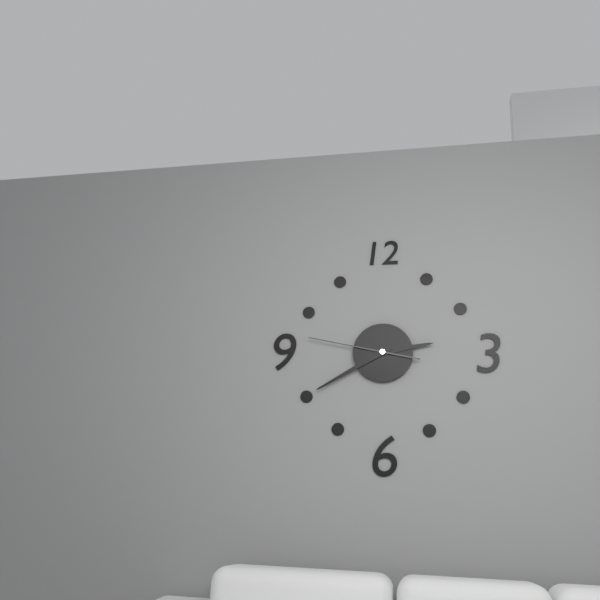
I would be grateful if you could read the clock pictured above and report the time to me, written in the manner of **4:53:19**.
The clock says **2:40:47**
